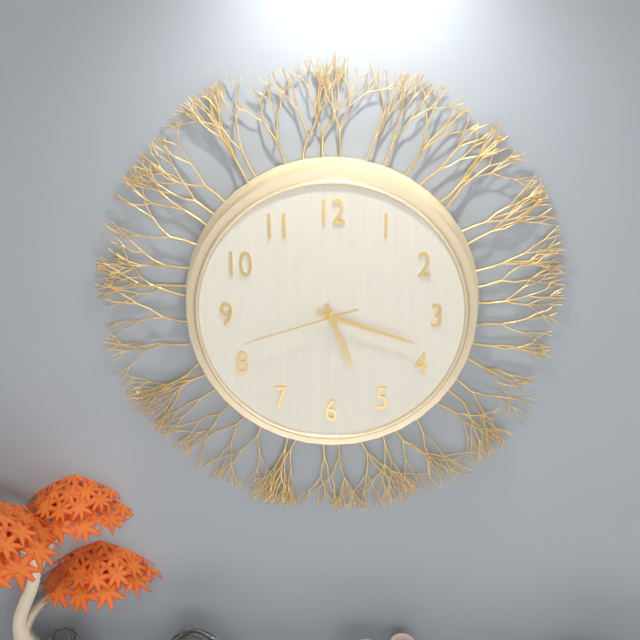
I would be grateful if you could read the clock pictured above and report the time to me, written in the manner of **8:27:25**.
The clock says **5:18:42**
